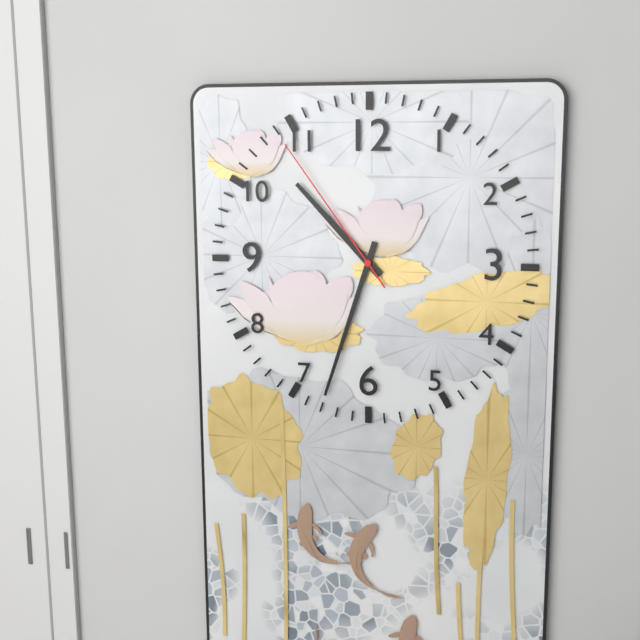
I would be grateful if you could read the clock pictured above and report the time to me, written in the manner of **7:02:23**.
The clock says **10:33:54**
